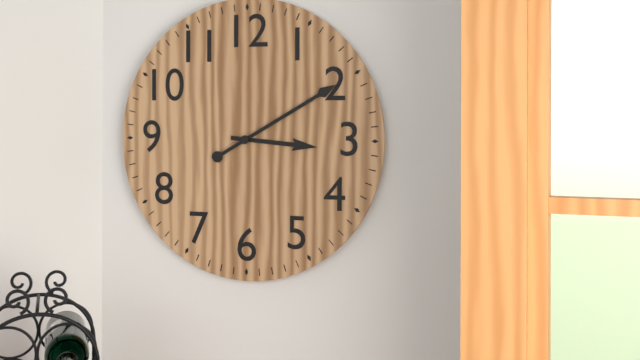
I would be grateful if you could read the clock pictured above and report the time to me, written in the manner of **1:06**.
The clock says **3:10**
